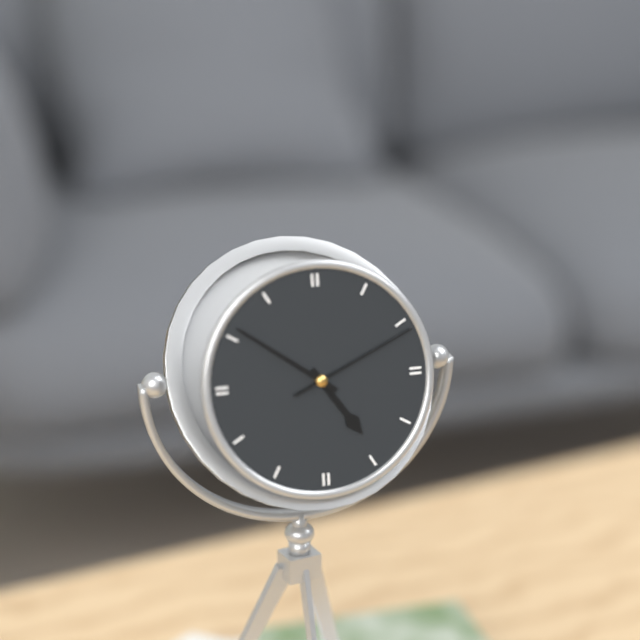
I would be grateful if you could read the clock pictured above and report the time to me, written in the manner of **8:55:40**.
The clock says **4:51:11**
